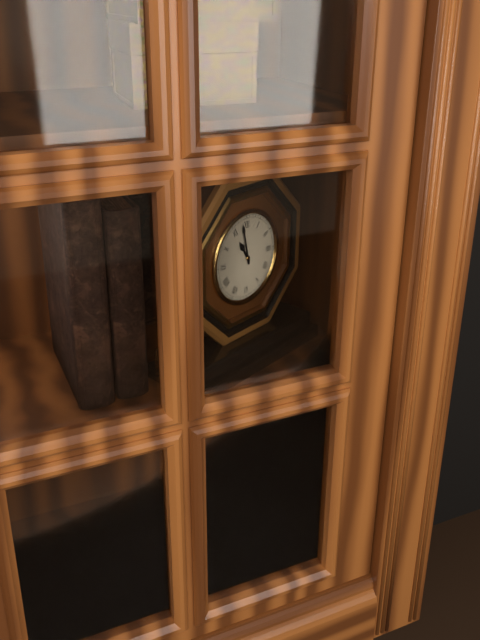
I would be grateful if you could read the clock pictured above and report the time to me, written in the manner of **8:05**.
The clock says **10:58**
